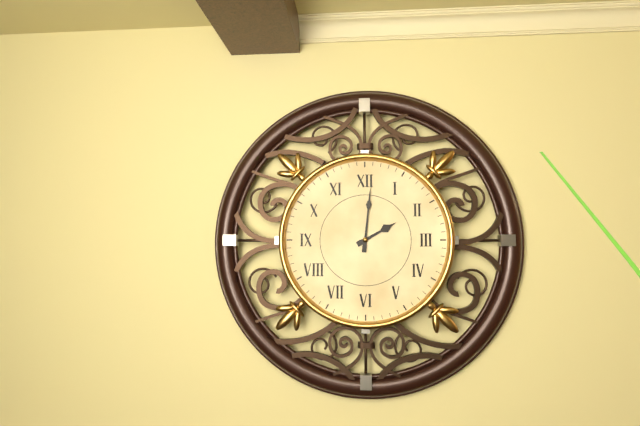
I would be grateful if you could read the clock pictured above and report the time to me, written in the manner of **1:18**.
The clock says **2:01**
